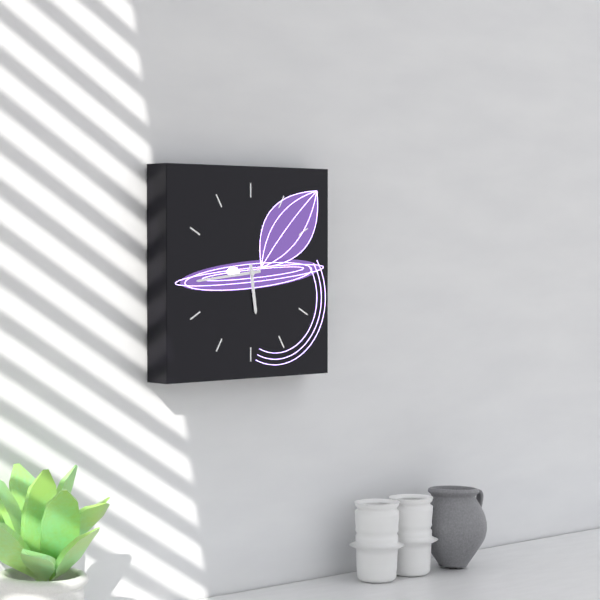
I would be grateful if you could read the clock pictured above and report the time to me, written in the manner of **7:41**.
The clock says **5:44**
